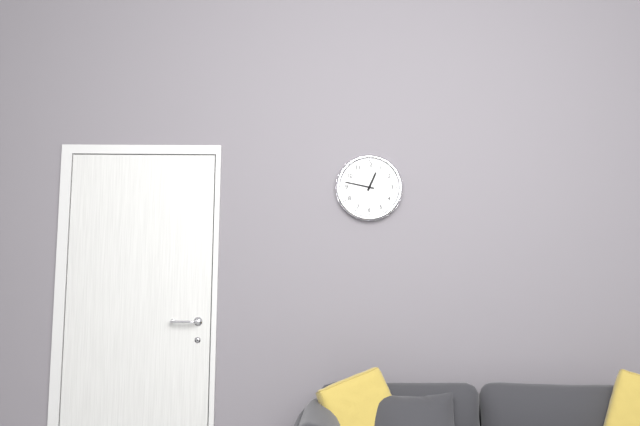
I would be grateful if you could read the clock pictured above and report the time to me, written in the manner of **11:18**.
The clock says **12:47**
